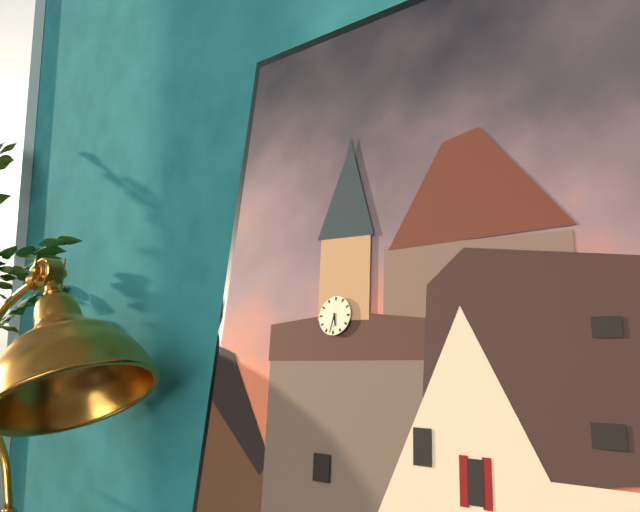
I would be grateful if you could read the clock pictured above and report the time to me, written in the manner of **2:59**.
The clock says **5:32**
